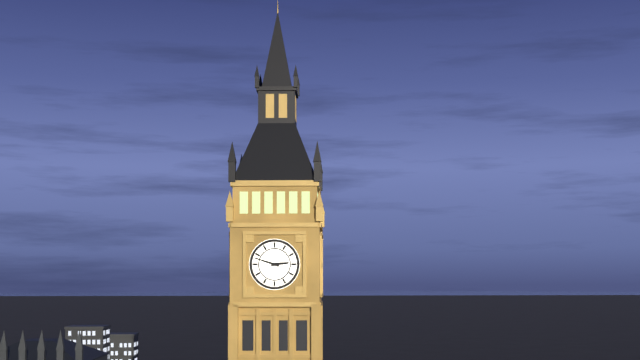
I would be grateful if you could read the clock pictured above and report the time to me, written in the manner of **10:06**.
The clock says **2:48**
